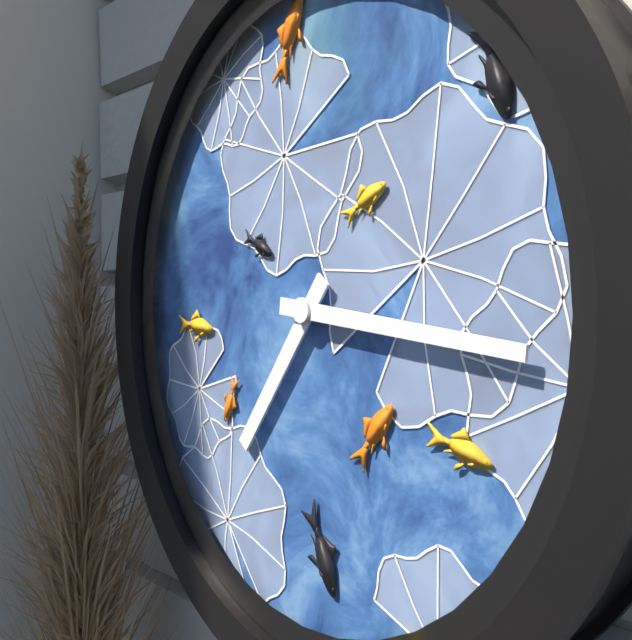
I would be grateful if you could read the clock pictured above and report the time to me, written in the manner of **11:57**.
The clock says **7:16**
